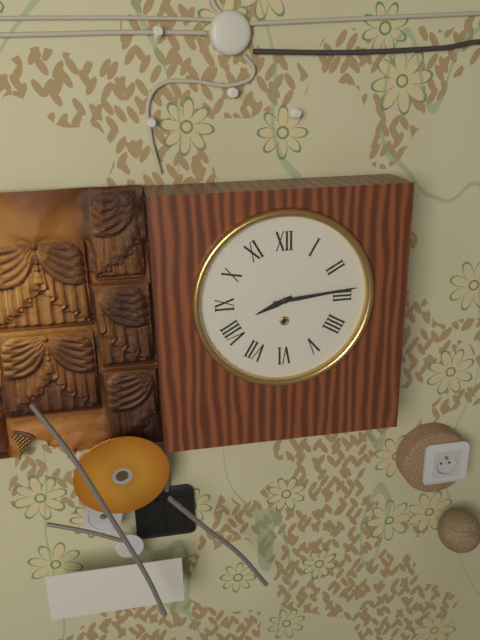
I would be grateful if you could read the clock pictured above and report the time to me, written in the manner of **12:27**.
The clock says **8:14**
